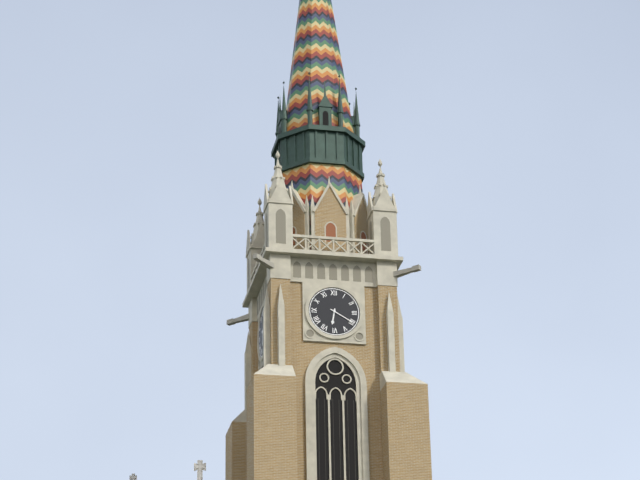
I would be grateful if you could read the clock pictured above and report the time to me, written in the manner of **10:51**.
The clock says **6:20**
